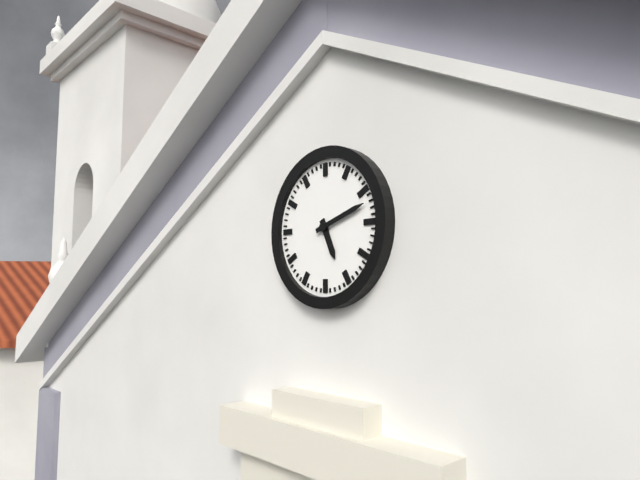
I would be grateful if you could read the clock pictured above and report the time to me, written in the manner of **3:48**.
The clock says **5:12**
